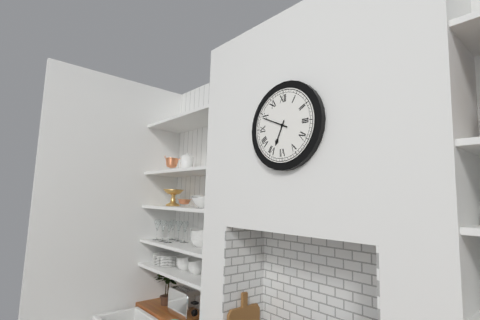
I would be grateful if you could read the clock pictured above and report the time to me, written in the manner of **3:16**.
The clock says **6:49**
